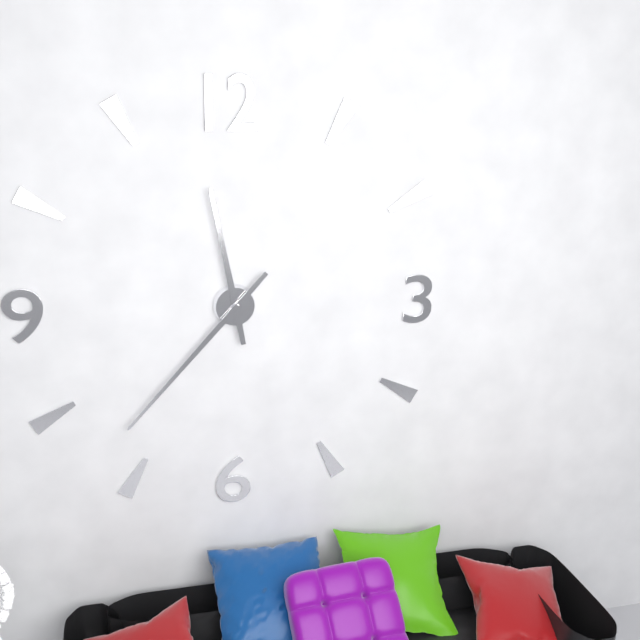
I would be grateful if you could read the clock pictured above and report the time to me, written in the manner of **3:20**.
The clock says **11:37**
